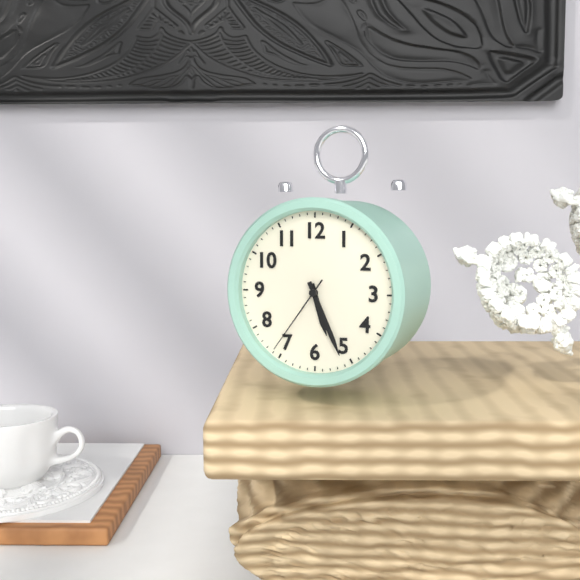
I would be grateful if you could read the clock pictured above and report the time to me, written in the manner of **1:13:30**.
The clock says **5:26:36**
